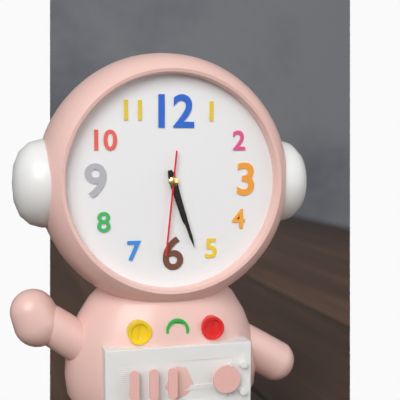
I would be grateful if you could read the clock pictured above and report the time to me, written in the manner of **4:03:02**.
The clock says **5:27:31**
